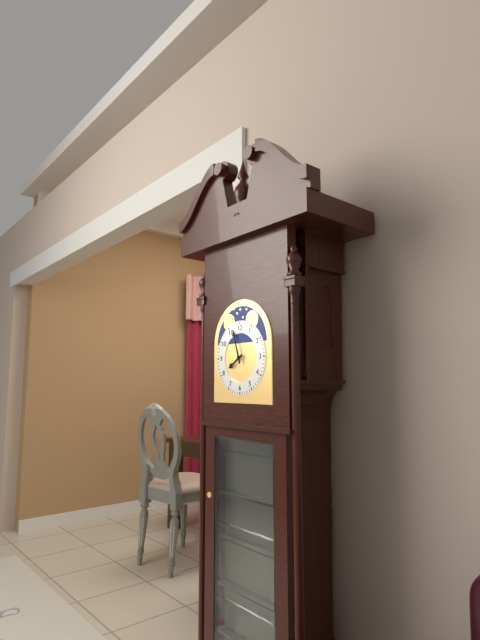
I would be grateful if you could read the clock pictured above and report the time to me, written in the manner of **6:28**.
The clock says **7:57**
